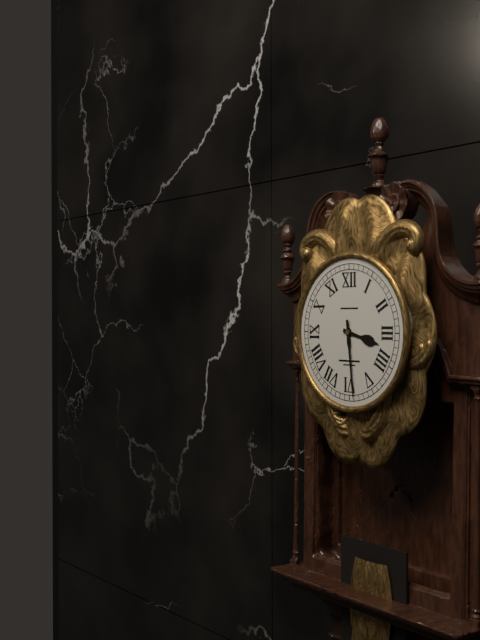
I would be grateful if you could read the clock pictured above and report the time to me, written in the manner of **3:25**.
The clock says **3:29**
